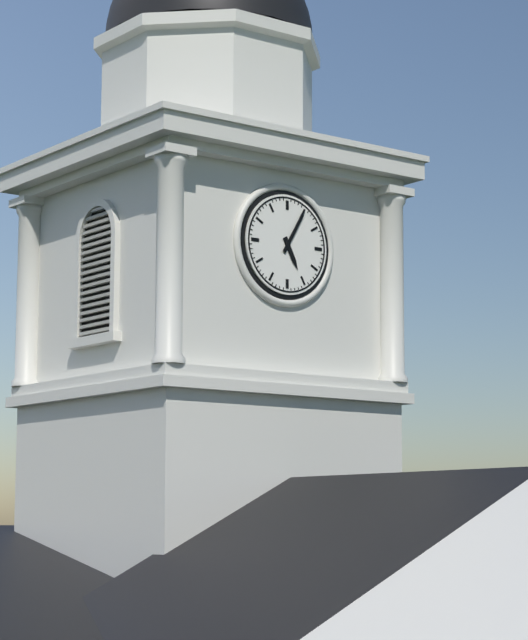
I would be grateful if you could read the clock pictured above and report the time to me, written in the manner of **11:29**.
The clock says **5:05**
